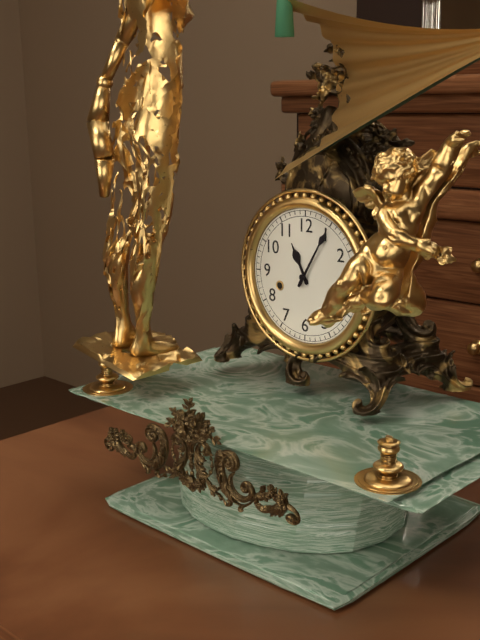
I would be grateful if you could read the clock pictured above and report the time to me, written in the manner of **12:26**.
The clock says **11:05**
